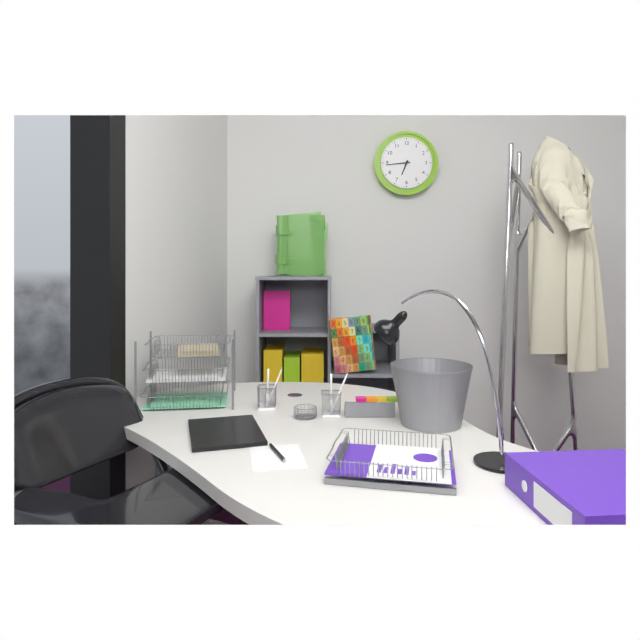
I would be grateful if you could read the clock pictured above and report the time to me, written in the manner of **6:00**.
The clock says **6:44**
